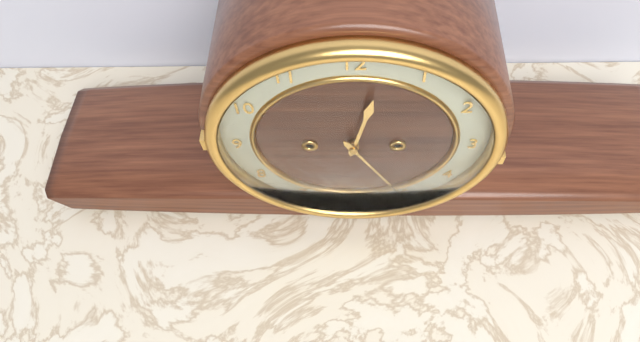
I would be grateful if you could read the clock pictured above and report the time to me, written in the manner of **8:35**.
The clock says **12:25**
